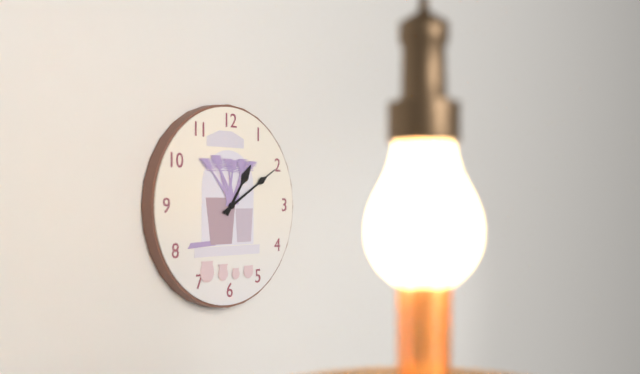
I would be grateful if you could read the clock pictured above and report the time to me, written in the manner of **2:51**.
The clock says **1:10**
